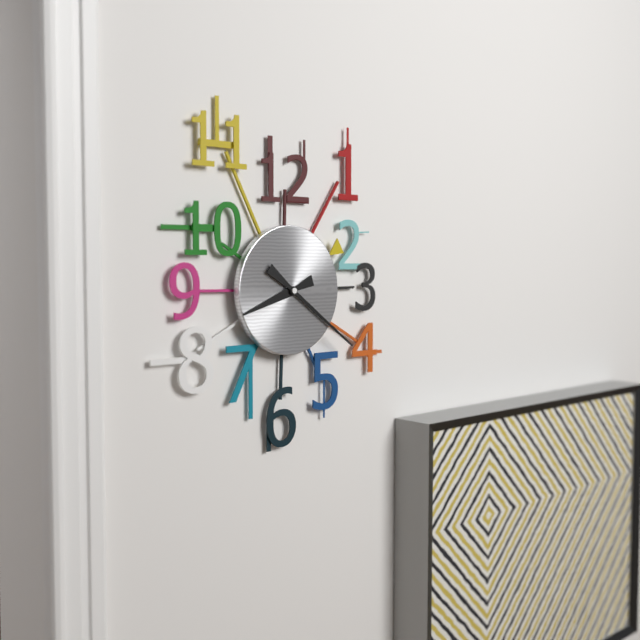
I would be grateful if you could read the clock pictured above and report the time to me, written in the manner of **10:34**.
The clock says **8:21**
